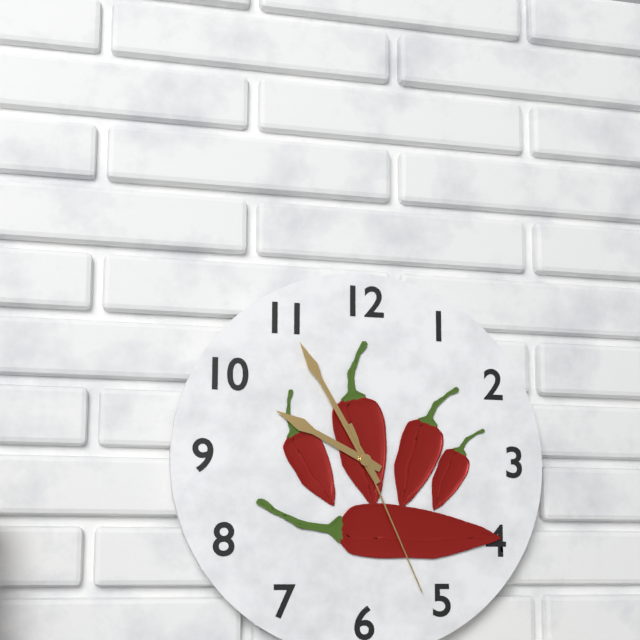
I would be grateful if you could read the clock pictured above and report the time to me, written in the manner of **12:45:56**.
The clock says **9:55:26**
